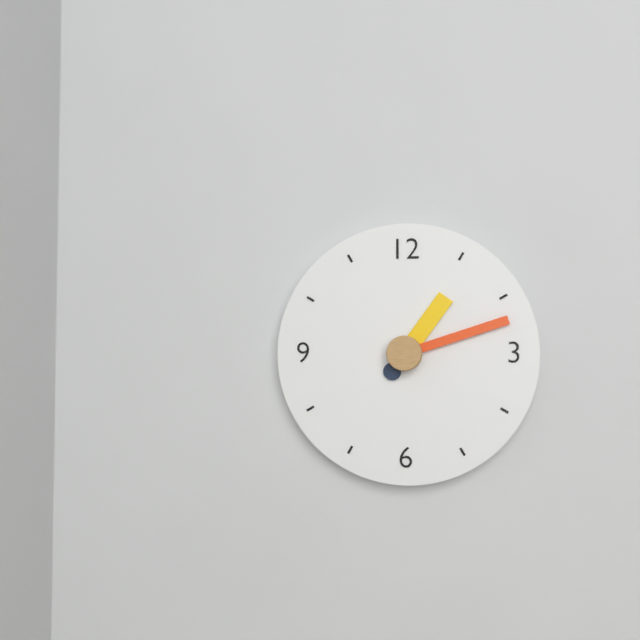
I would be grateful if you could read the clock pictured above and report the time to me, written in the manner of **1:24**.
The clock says **1:12**
